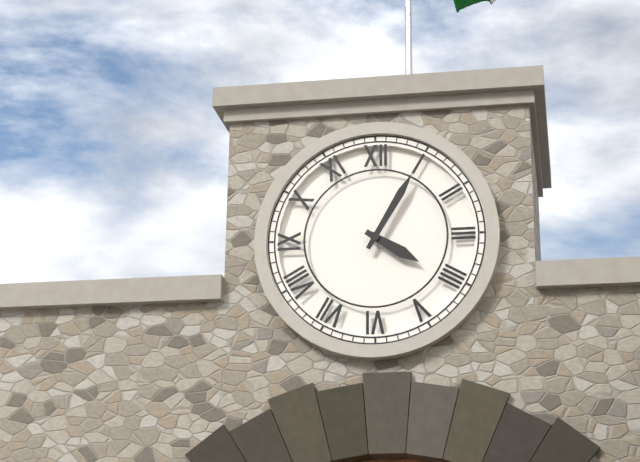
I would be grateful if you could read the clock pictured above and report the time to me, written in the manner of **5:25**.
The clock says **4:05**
